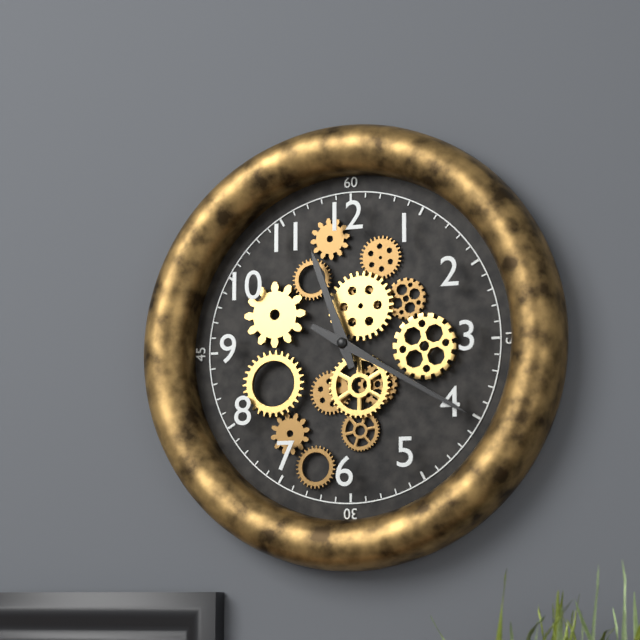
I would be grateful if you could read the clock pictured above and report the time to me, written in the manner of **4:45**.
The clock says **11:20**
